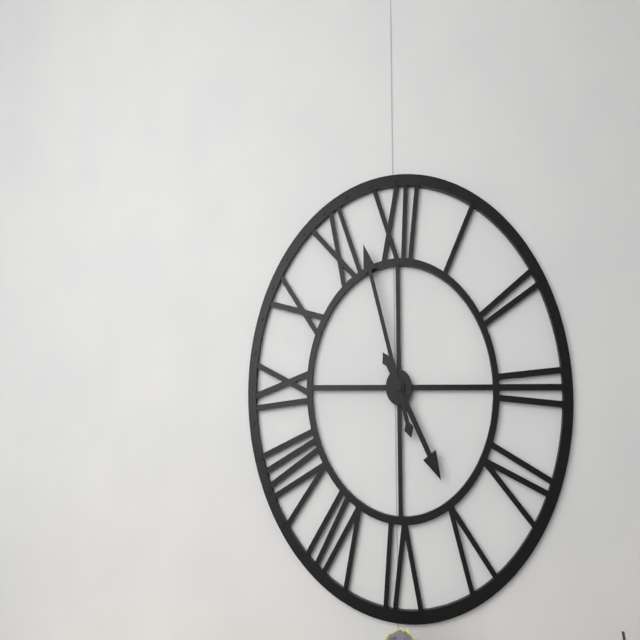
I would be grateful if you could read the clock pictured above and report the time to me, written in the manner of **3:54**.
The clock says **4:57**
